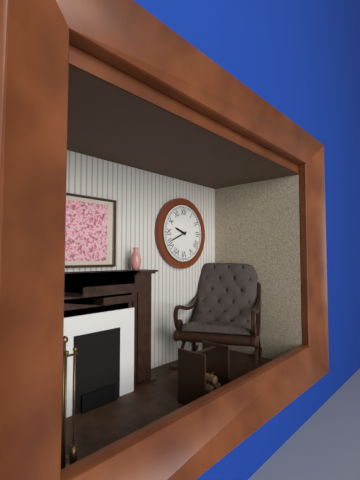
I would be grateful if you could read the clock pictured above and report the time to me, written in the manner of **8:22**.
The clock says **9:41**
